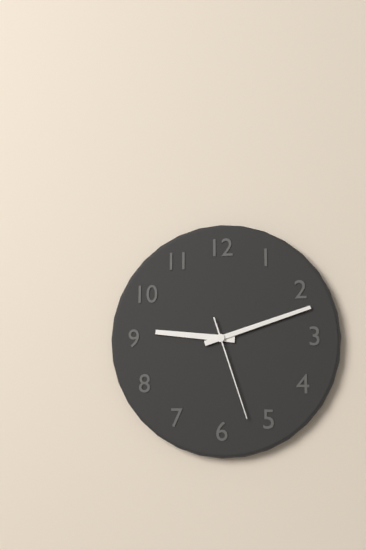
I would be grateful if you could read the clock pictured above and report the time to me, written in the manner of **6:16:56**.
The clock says **9:12:27**
